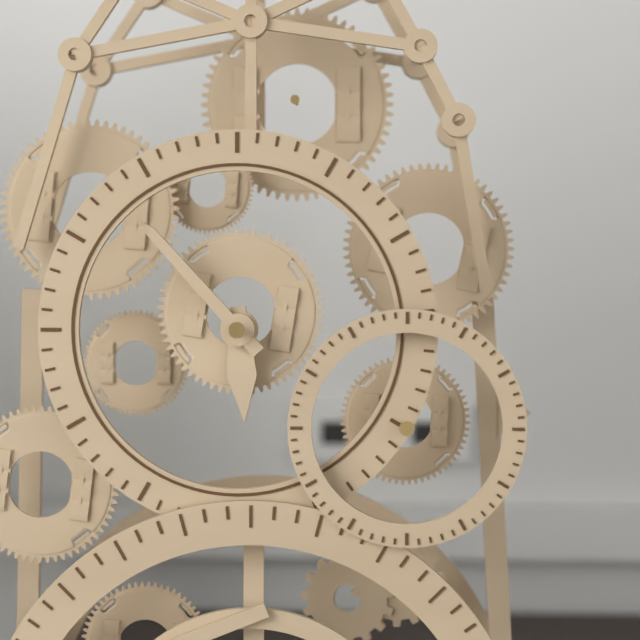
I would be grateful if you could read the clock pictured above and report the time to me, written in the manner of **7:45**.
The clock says **5:53**
